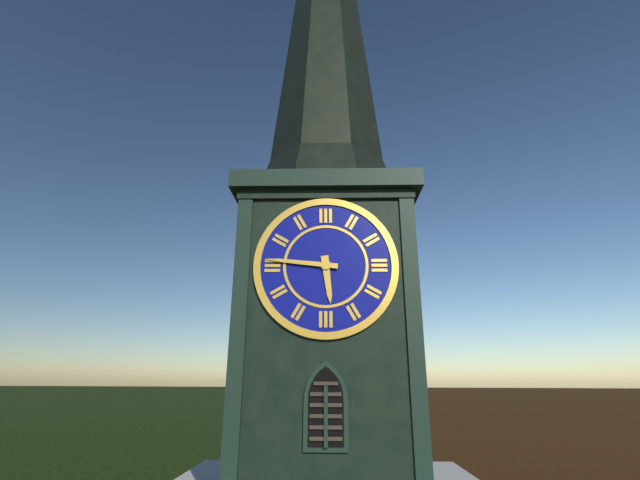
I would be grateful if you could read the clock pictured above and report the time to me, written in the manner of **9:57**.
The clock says **5:46**
